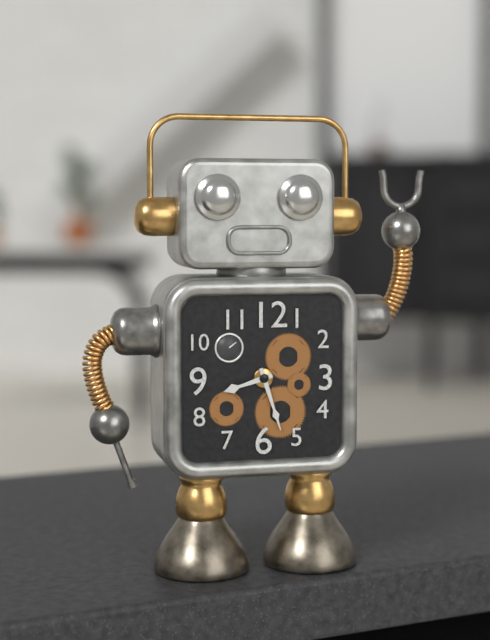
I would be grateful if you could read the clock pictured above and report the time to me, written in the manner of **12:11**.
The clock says **8:27**
